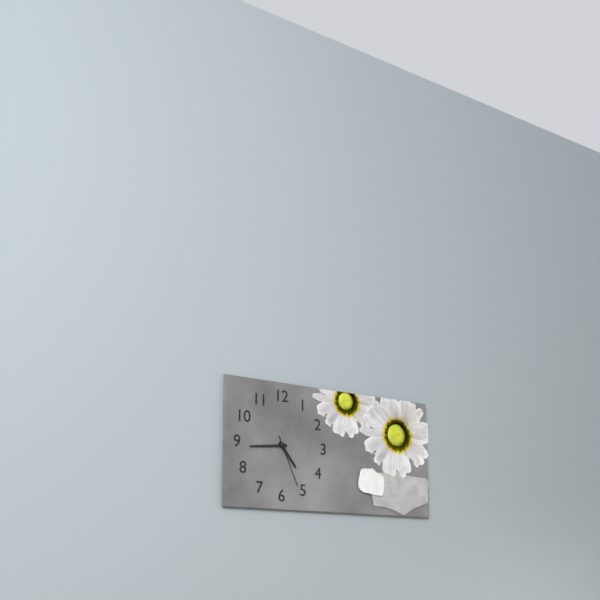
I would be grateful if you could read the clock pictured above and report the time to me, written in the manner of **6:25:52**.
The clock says **4:44:26**
